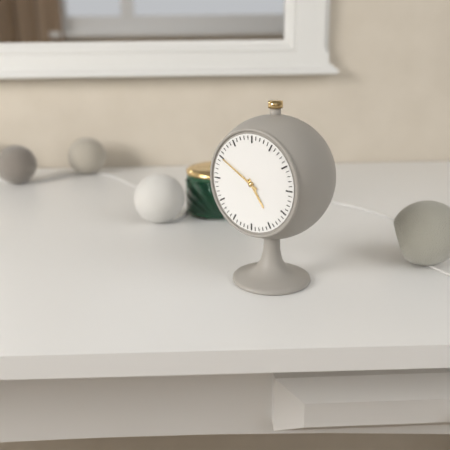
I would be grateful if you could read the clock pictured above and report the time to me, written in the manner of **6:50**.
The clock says **4:50**
